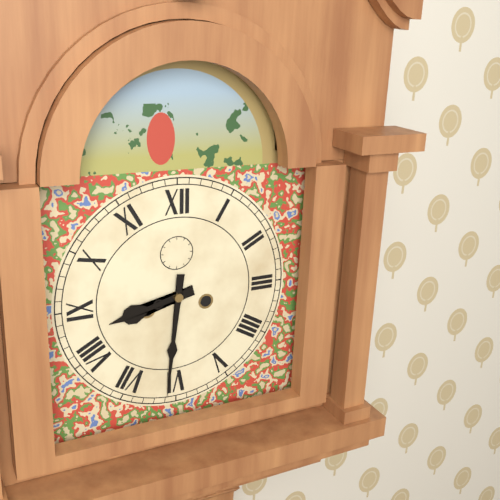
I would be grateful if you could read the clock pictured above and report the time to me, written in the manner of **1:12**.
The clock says **8:31**
